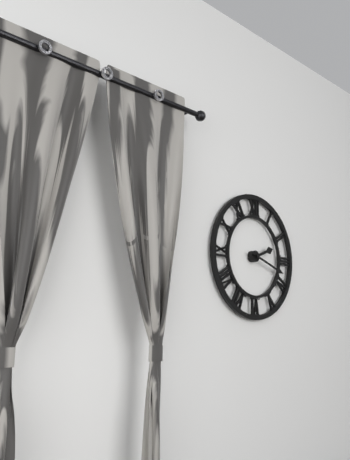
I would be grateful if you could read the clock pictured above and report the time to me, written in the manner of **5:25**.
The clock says **2:18**
